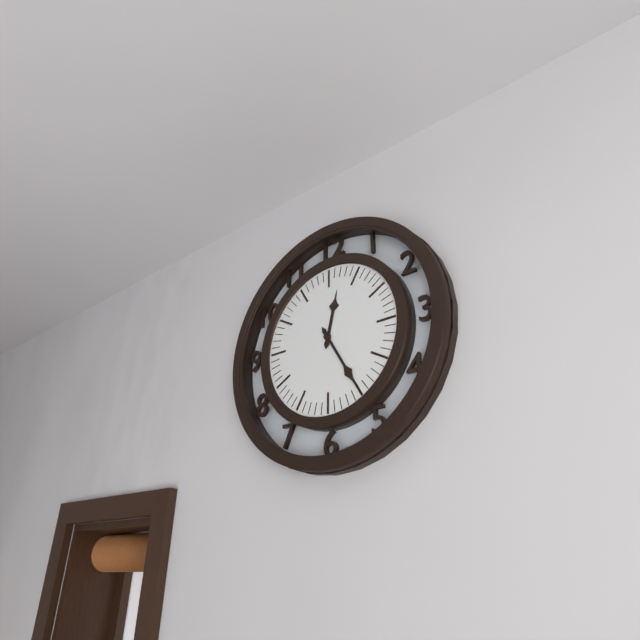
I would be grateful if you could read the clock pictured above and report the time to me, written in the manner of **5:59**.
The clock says **12:25**
